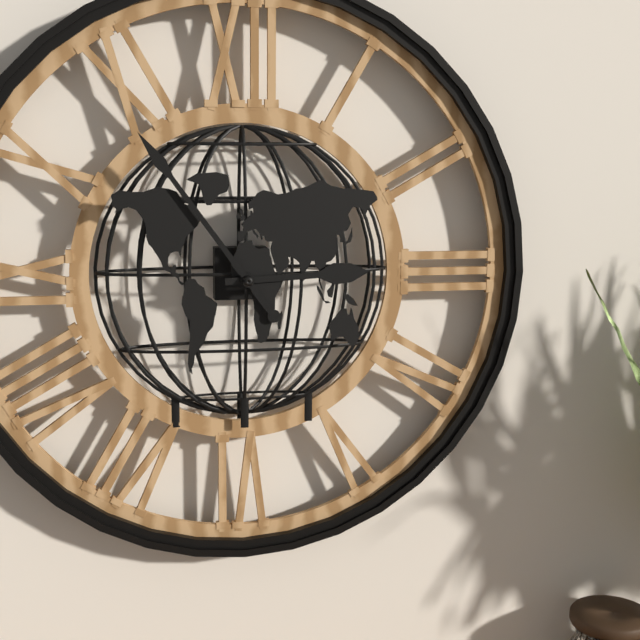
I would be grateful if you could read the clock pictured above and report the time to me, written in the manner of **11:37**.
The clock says **2:54**
